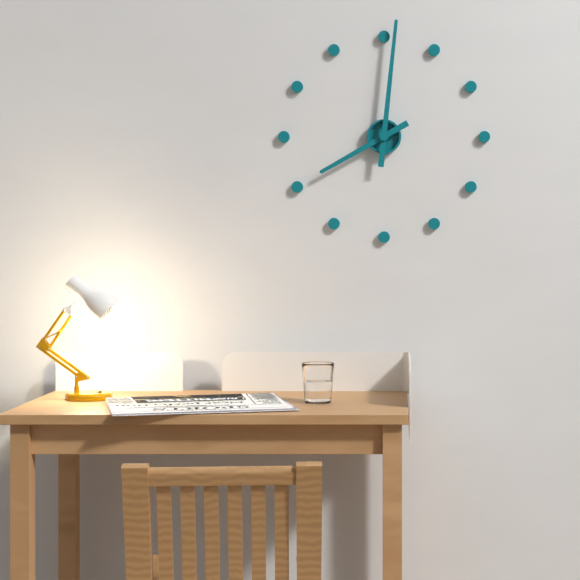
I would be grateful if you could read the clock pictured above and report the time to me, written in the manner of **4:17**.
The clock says **8:01**
